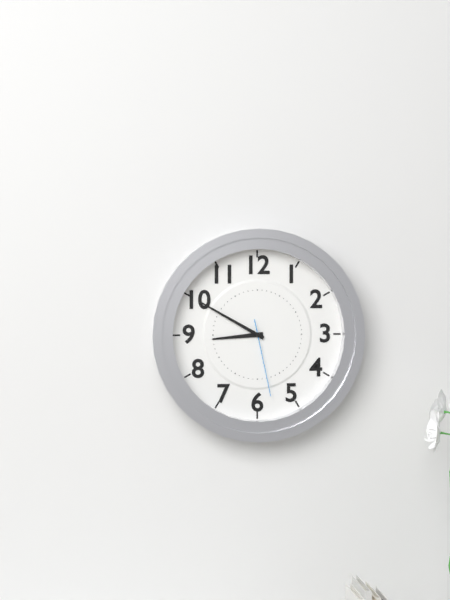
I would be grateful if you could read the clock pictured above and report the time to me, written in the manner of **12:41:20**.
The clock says **8:50:28**
